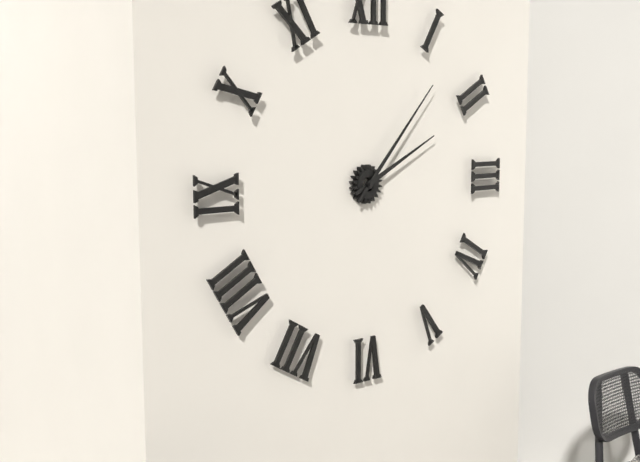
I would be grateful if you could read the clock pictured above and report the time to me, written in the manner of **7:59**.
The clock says **2:07**
